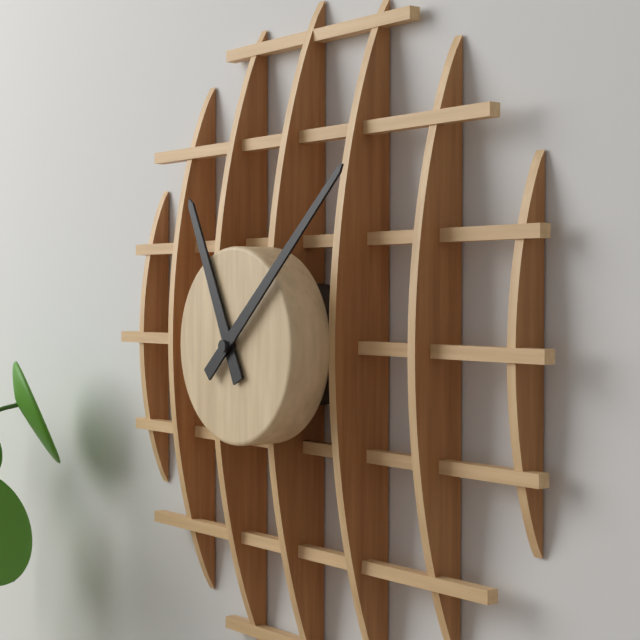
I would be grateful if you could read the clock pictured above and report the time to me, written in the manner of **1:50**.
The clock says **11:08**
